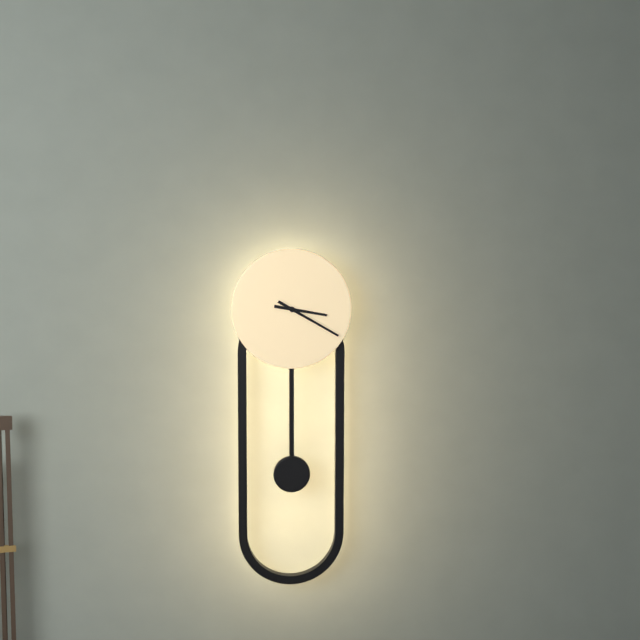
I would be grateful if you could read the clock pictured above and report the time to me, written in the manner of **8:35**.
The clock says **3:20**
